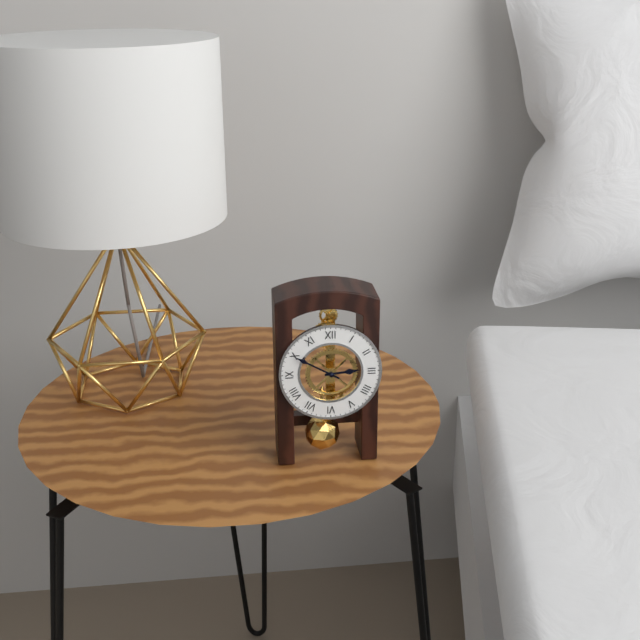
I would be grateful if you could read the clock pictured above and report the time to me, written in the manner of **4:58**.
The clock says **2:50**
